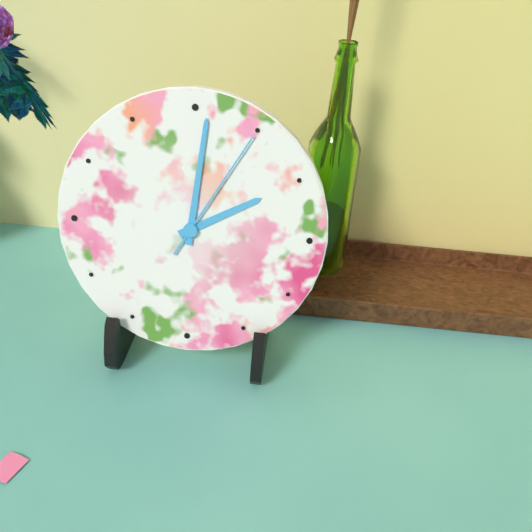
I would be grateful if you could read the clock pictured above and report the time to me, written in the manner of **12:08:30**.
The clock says **2:01:05**
